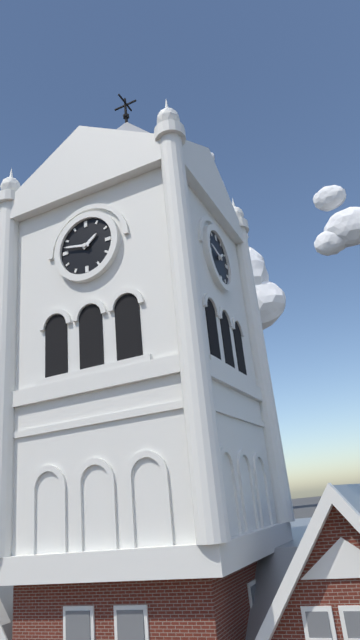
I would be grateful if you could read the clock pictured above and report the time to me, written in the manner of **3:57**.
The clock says **1:47**
